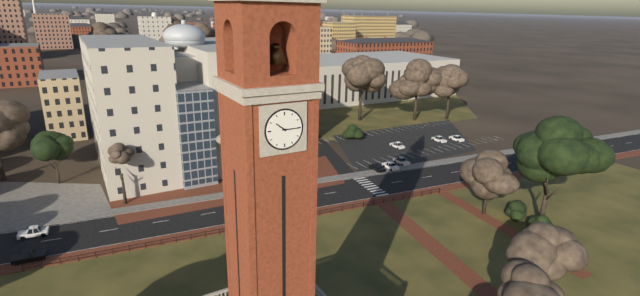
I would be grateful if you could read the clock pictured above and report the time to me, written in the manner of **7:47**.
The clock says **10:15**
